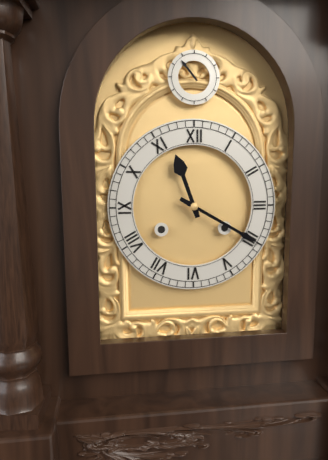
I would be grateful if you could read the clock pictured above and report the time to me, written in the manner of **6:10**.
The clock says **11:20**
